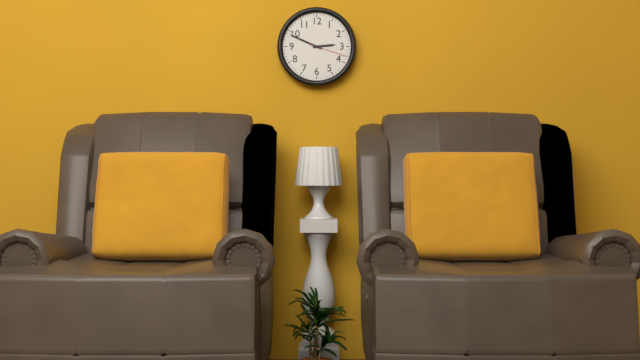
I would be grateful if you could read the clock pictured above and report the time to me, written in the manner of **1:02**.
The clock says **2:49**
